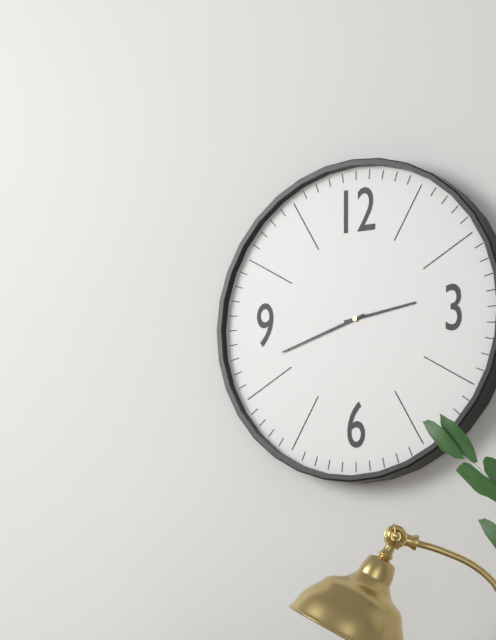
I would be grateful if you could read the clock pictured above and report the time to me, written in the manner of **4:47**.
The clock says **2:42**
